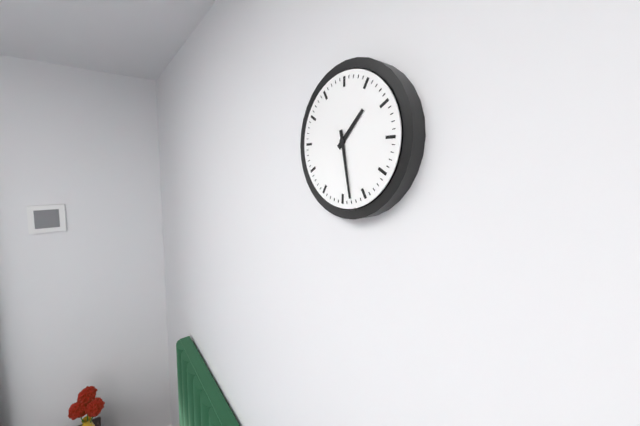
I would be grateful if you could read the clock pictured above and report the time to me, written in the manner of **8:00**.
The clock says **1:28**
